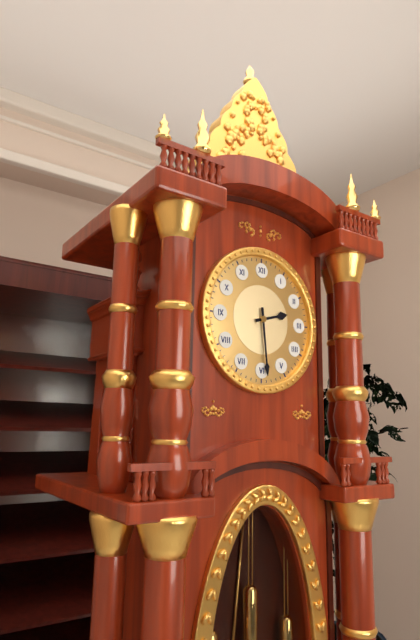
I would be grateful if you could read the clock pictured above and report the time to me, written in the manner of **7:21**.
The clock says **2:29**
